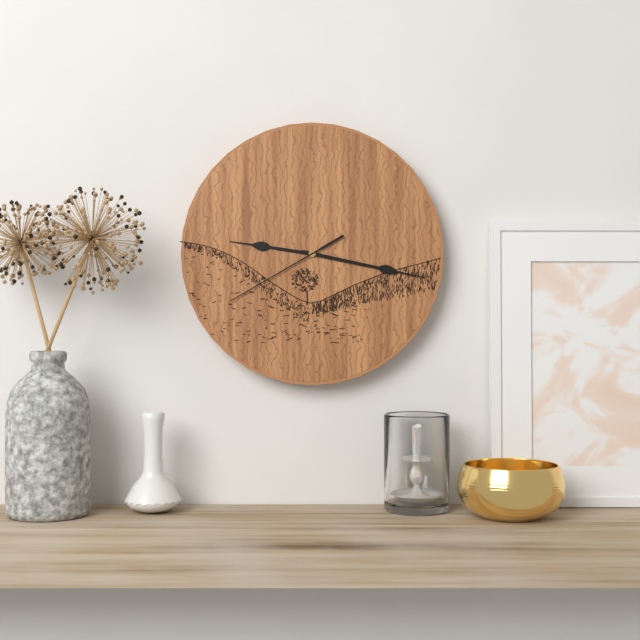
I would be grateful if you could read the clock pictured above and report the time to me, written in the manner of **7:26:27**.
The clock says **9:17:40**
